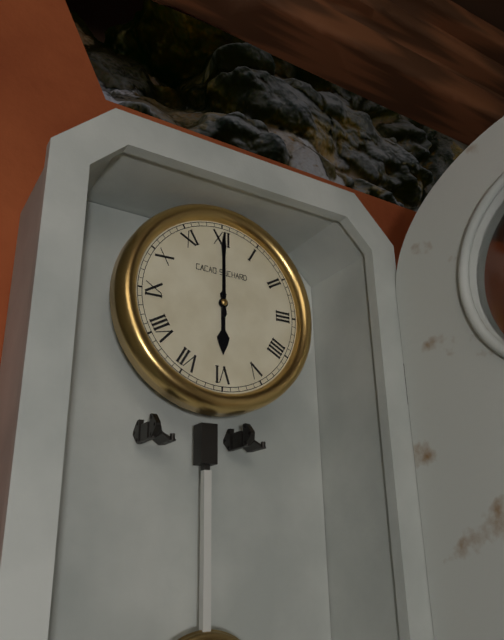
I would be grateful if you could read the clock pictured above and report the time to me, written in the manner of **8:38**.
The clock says **6:00**
